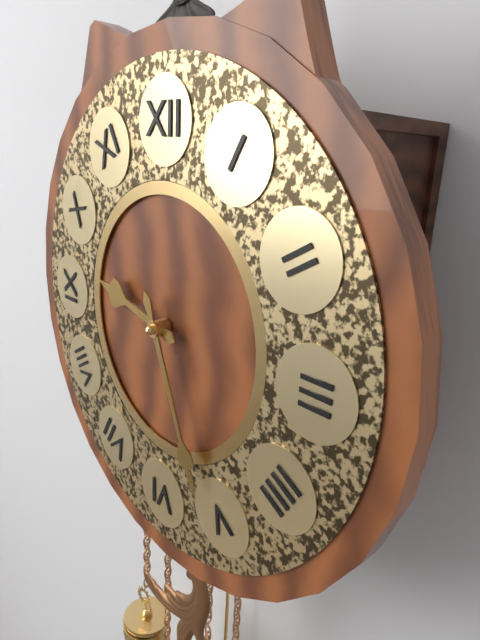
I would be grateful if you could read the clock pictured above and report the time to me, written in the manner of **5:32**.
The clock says **9:26**
